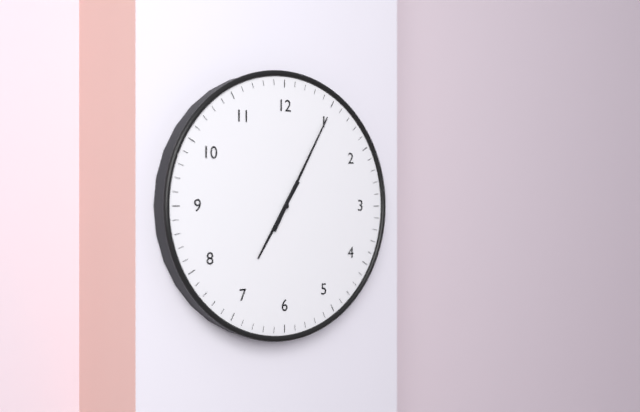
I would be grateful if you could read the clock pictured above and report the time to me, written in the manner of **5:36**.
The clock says **7:05**
